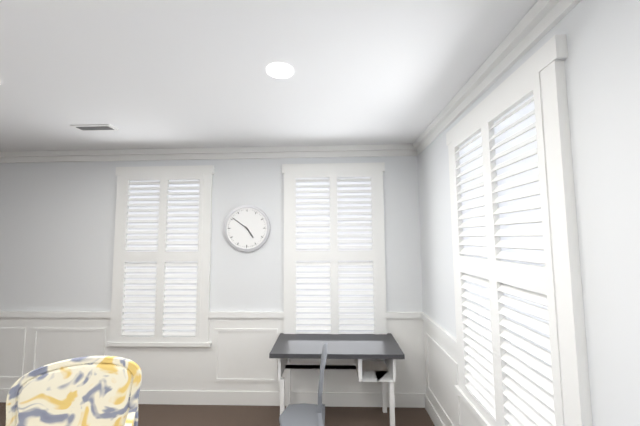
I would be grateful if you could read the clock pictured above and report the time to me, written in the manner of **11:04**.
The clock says **4:51**
